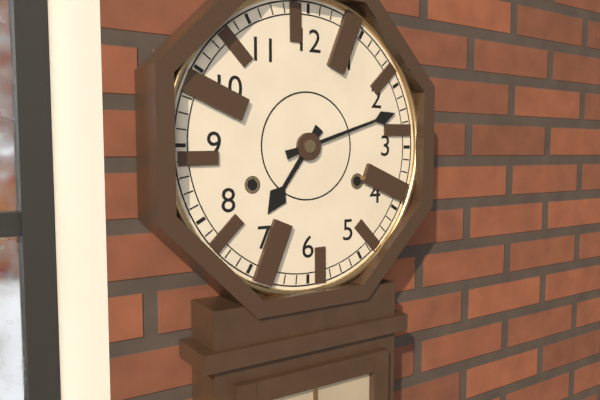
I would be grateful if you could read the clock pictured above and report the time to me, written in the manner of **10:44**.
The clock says **7:12**
